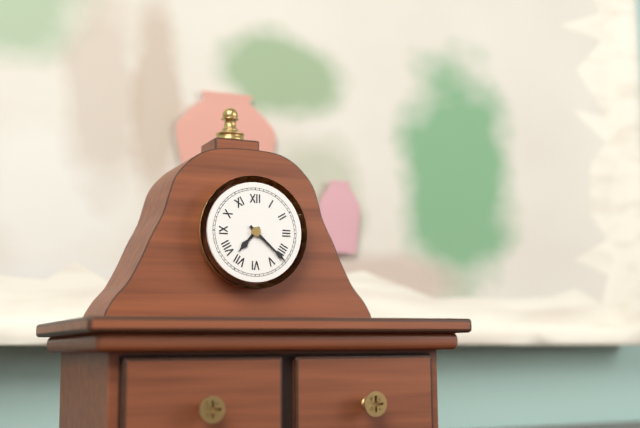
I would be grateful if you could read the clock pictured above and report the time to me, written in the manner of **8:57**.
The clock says **7:22**
